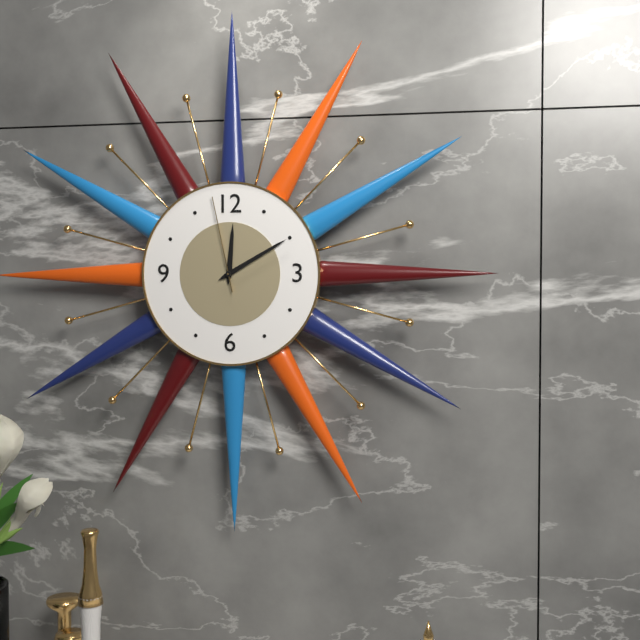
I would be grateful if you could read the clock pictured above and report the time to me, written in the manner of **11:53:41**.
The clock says **12:10:58**
